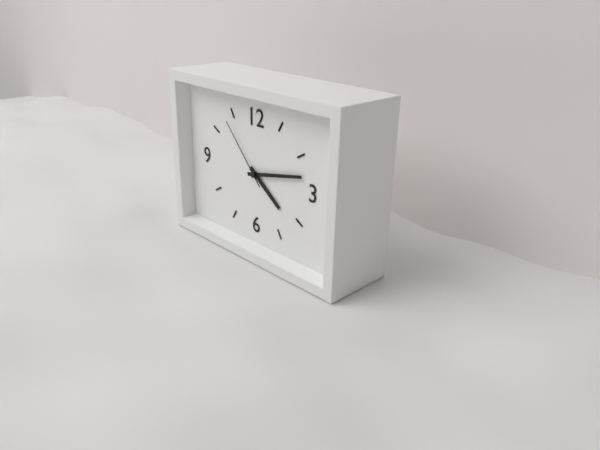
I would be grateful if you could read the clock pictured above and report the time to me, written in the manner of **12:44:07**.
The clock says **4:13:53**
